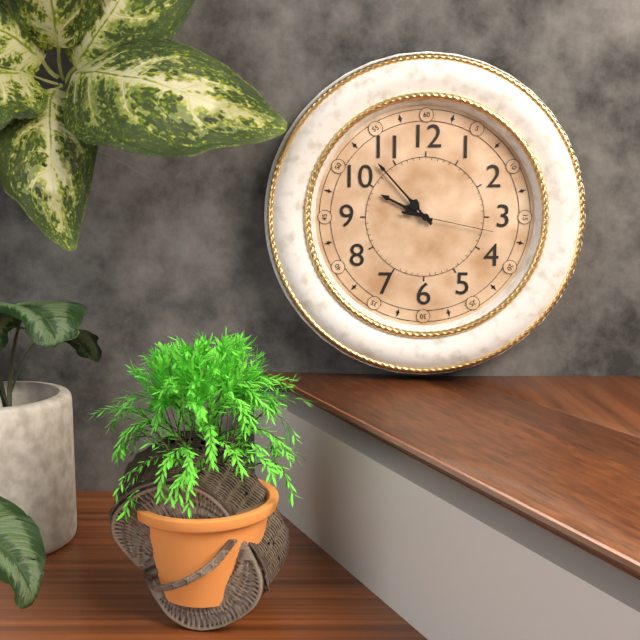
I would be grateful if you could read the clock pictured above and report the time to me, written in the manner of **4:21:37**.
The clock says **9:53:17**
